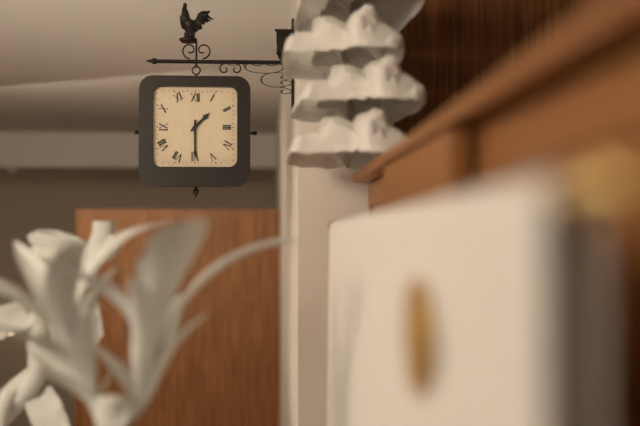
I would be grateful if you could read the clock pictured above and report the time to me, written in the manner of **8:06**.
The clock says **1:30**
